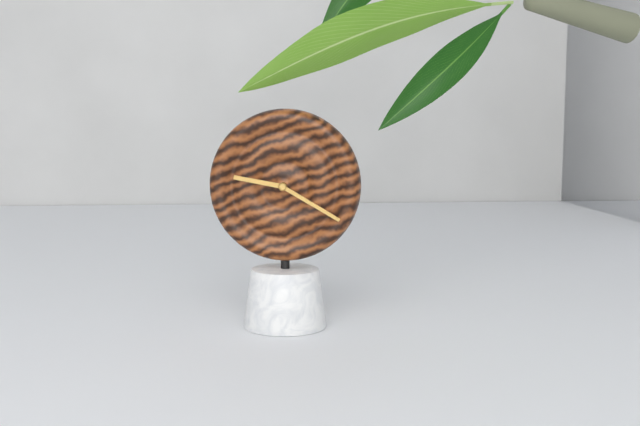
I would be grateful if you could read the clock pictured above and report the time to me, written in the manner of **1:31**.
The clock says **9:20**
